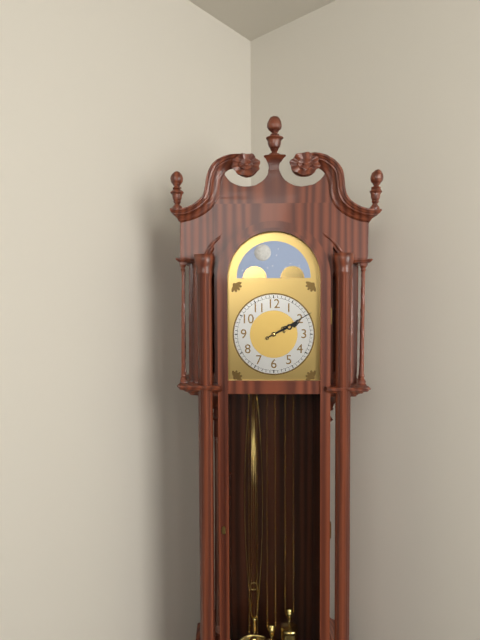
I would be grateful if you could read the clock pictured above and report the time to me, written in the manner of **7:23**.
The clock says **2:10**
